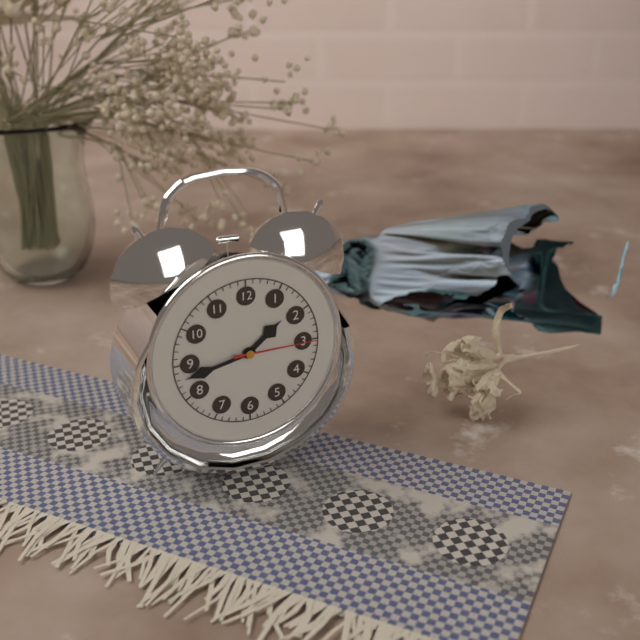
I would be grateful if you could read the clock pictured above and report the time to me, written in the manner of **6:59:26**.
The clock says **1:43:15**
